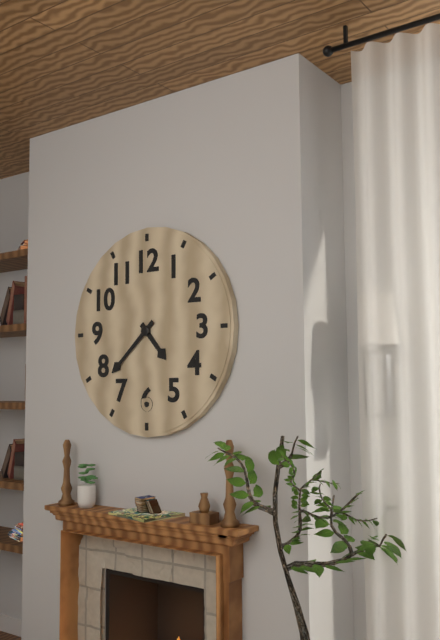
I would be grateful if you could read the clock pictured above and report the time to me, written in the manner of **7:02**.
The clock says **4:38**
